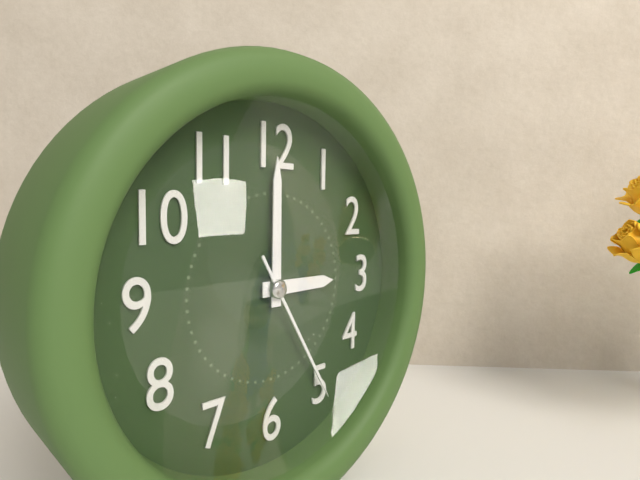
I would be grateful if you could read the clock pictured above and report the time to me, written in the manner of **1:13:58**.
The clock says **3:00:25**
